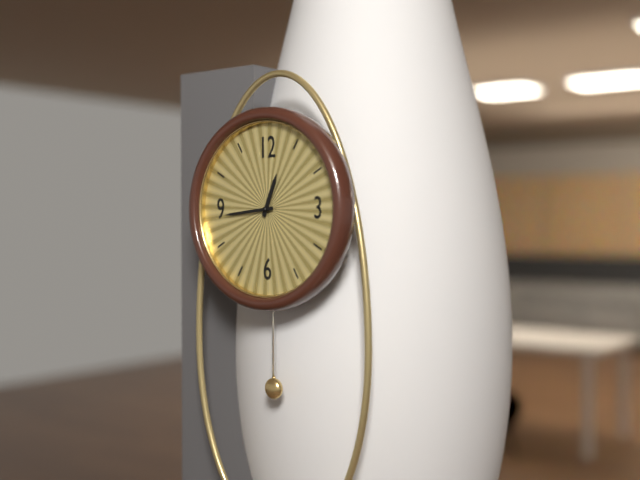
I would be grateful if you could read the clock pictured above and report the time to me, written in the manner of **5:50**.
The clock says **12:44**
